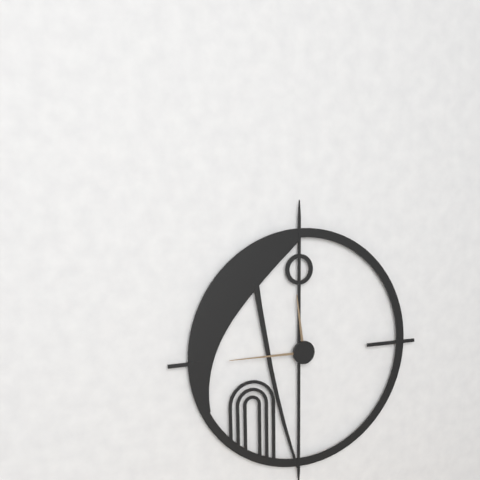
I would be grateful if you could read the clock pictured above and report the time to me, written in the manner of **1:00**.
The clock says **11:45**
